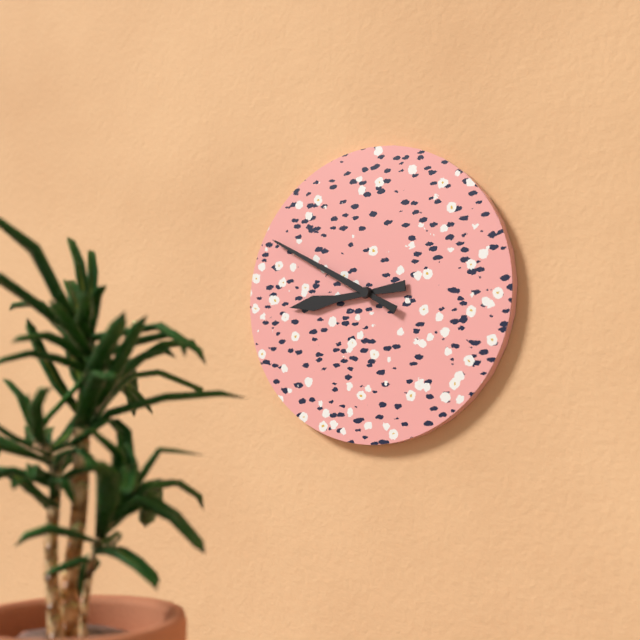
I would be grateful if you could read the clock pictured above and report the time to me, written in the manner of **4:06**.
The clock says **8:50**
